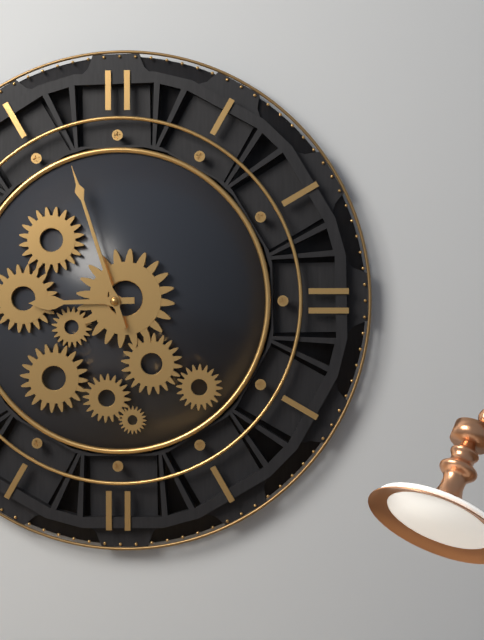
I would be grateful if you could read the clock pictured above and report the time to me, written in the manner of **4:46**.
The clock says **8:57**
